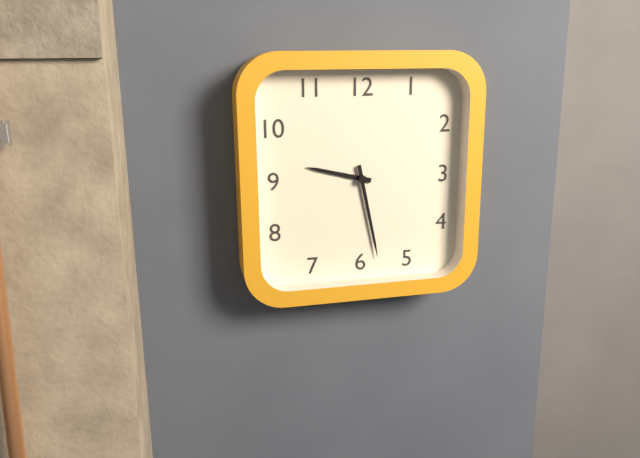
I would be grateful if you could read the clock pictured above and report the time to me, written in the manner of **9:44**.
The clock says **9:28**
